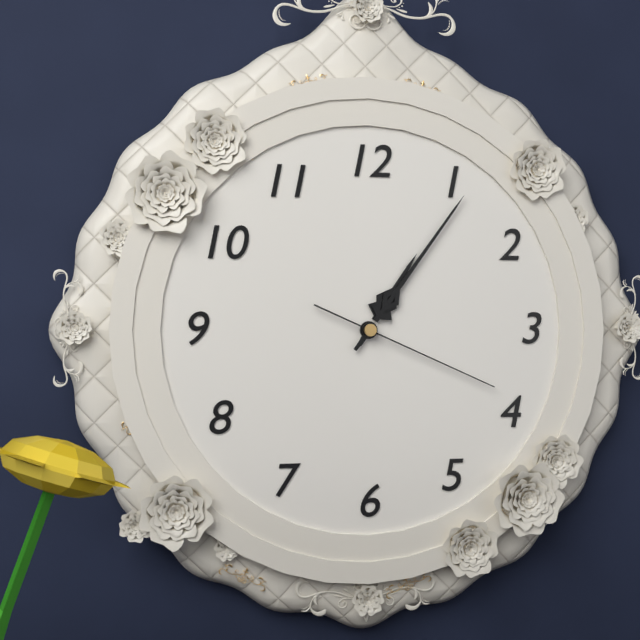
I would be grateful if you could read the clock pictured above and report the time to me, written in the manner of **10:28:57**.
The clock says **1:06:19**
